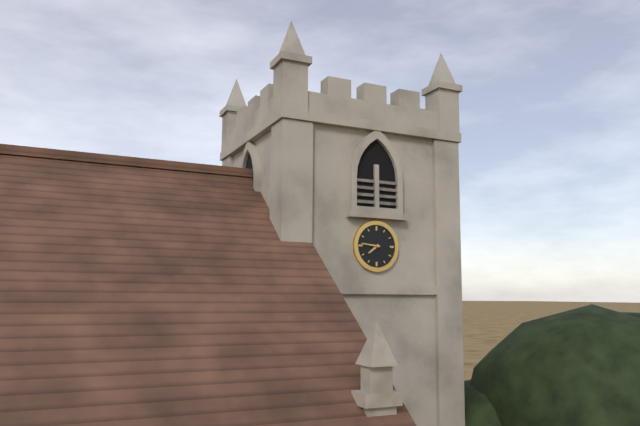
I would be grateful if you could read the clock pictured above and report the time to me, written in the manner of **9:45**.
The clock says **7:46**
